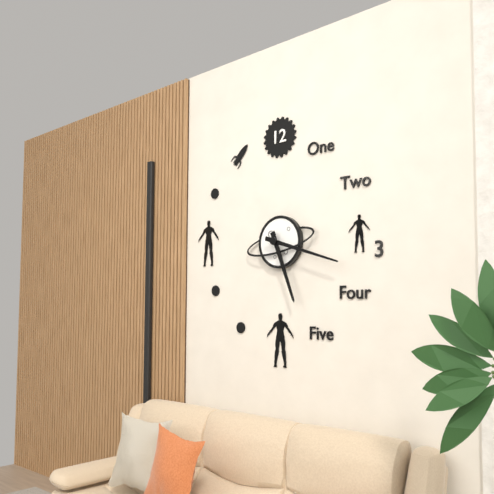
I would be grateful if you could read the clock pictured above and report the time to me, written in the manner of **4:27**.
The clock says **5:18**
